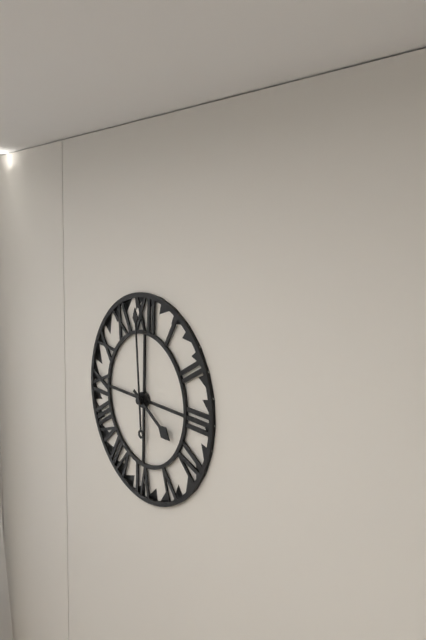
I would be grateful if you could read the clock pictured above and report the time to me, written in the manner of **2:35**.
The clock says **3:59**
